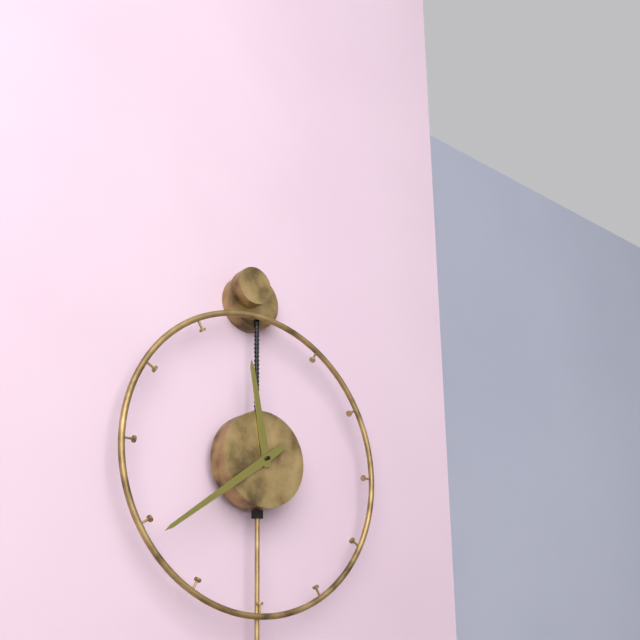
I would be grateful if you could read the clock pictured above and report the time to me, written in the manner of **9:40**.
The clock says **11:39**
